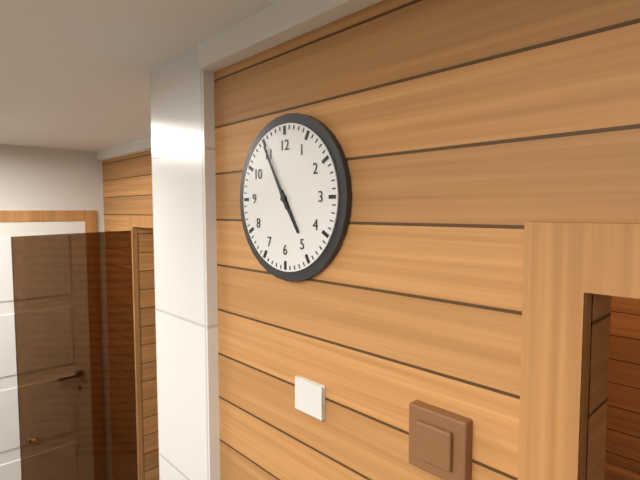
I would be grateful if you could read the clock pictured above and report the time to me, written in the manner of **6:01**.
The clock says **4:55**
